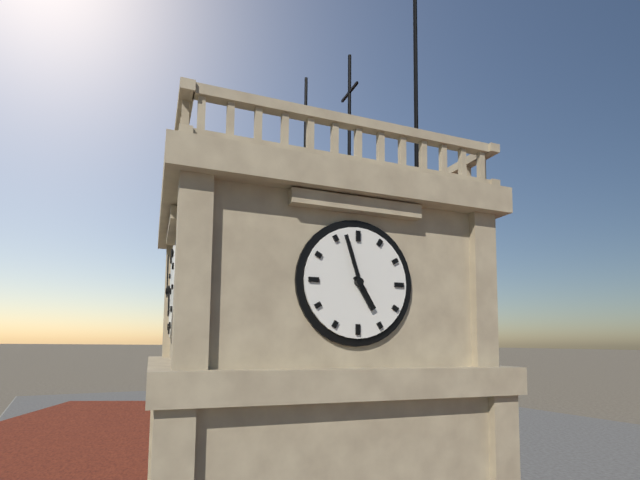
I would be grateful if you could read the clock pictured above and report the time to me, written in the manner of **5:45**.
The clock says **4:57**
